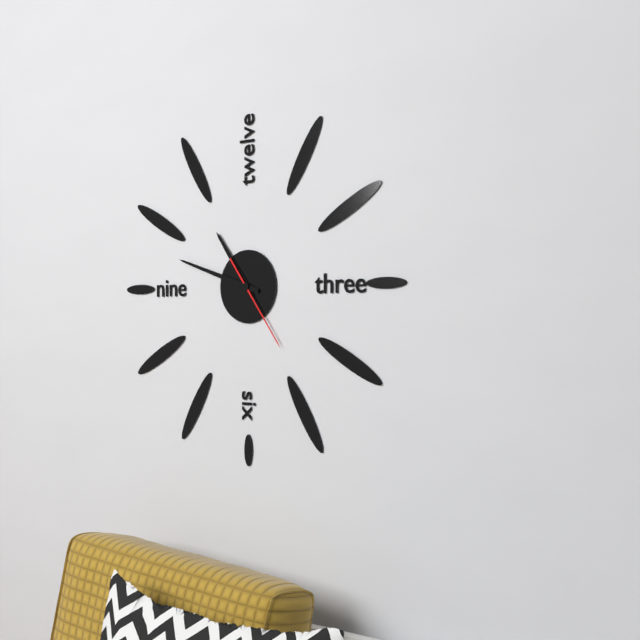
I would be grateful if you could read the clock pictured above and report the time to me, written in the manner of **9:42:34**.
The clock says **10:48:24**
